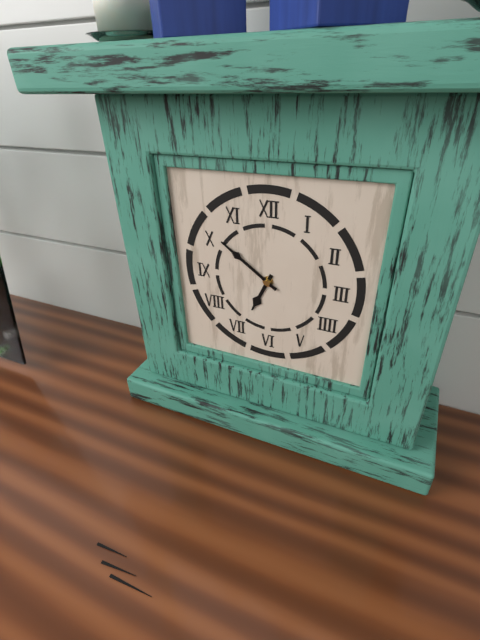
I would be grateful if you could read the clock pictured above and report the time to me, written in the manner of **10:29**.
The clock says **6:51**
